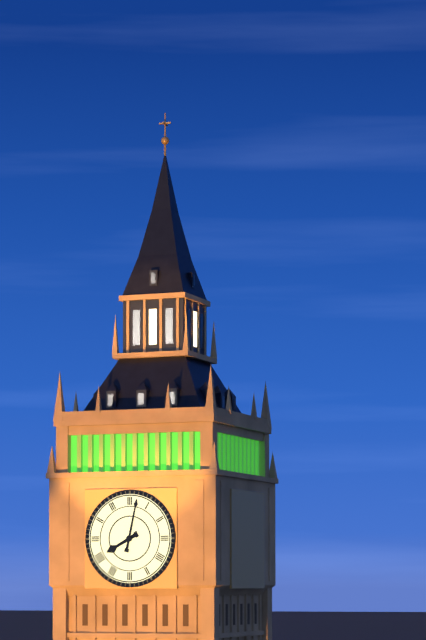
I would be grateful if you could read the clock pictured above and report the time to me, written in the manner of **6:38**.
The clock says **8:02**
